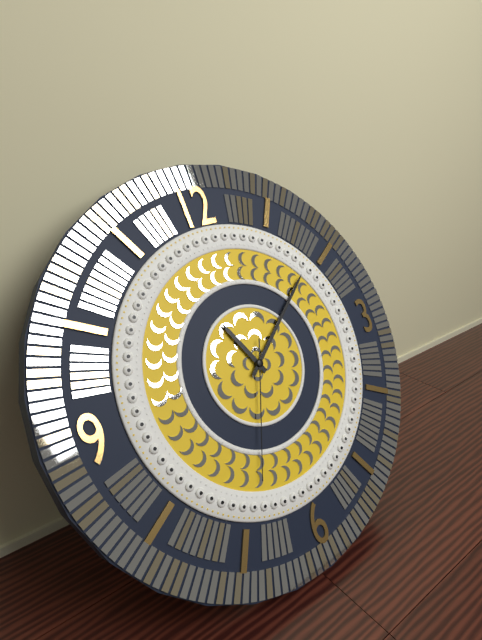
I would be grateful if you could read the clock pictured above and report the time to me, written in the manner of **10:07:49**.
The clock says **11:09:34**
